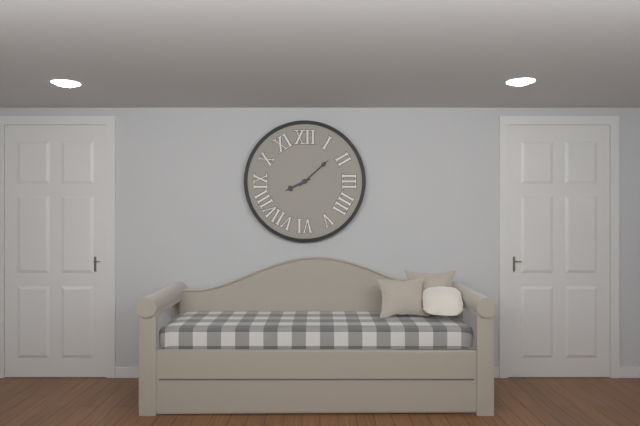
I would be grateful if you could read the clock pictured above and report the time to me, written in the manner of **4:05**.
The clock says **8:08**
